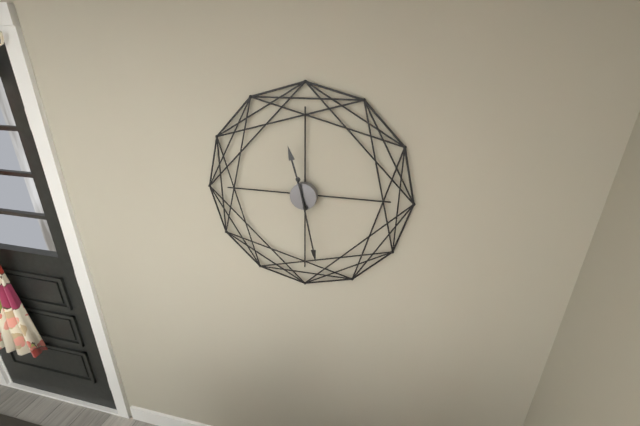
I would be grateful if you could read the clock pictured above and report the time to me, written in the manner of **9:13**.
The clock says **11:28**
